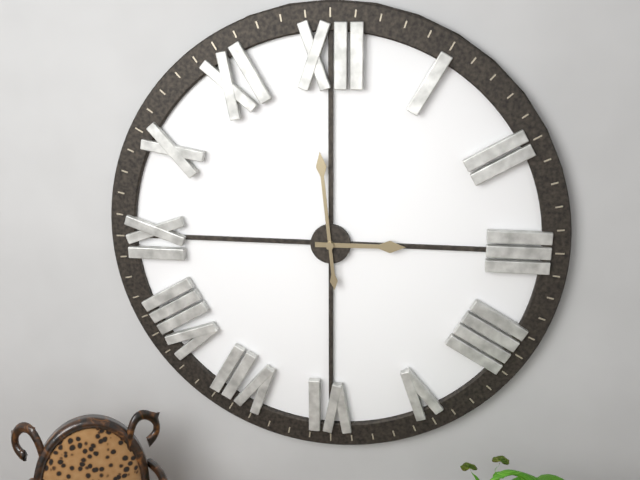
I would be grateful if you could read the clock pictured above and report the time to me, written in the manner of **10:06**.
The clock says **2:59**
